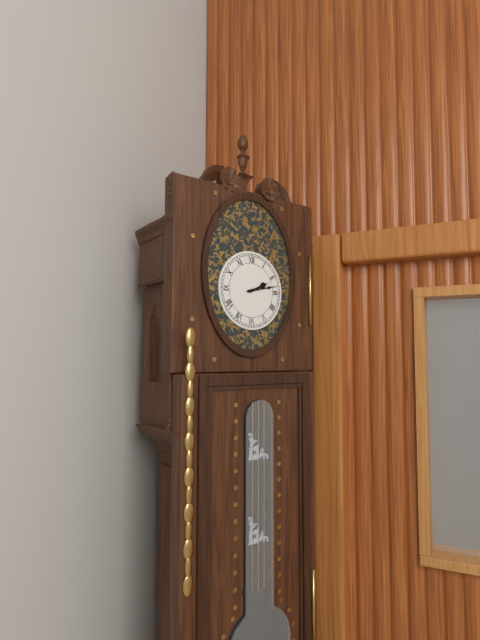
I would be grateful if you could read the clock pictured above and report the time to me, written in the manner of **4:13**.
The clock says **2:13**
